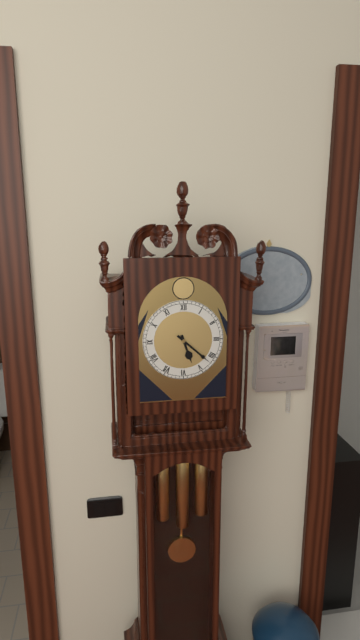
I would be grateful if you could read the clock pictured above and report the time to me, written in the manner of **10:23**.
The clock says **5:22**
